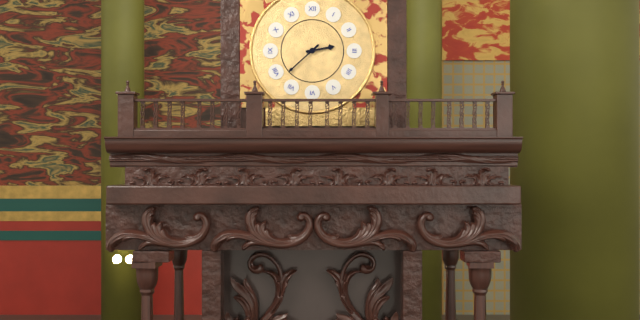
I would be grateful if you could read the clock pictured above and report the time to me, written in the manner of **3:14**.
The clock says **2:38**
